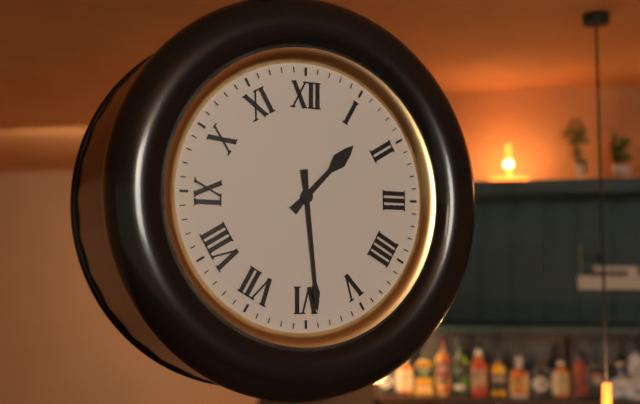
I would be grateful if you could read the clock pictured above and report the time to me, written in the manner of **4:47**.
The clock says **1:29**
